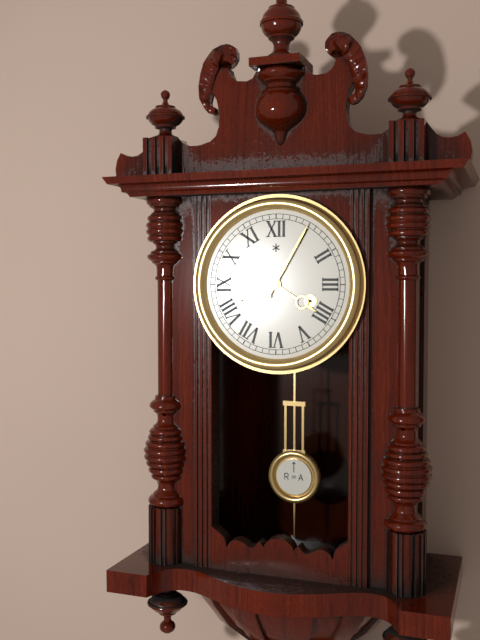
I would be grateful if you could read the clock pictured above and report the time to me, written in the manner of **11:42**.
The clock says **4:05**
